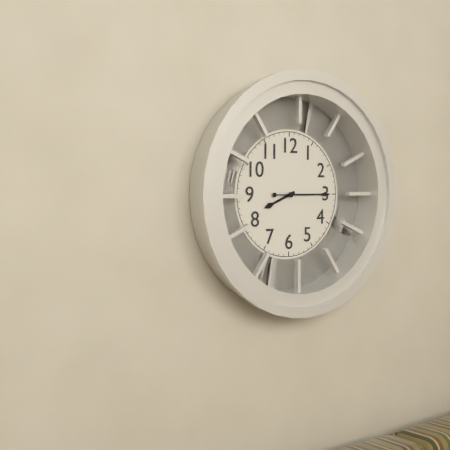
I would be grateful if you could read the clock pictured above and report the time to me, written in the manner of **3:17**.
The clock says **8:15**
